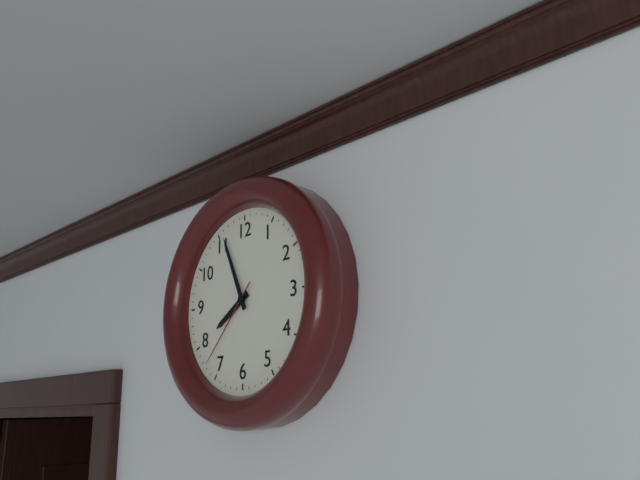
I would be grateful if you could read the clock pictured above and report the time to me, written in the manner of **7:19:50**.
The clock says **7:56:37**
